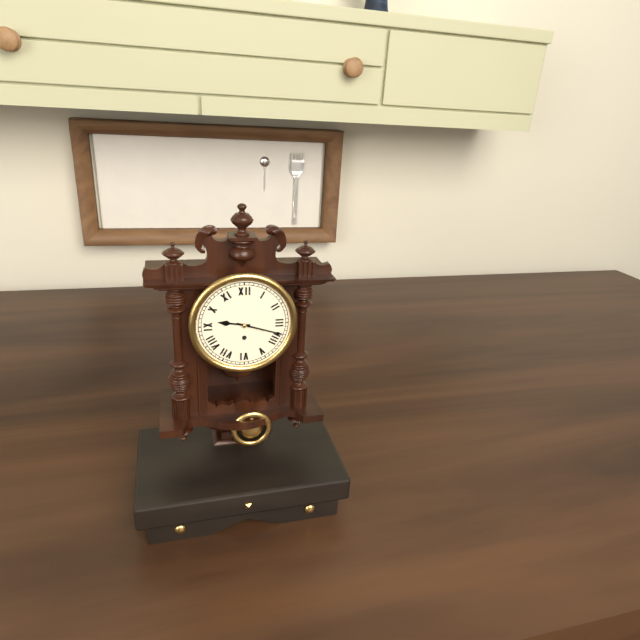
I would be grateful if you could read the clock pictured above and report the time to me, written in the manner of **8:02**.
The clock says **9:18**
